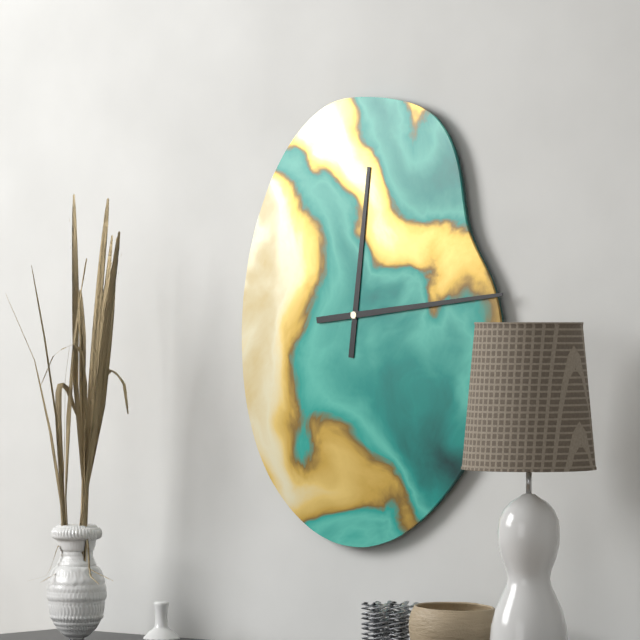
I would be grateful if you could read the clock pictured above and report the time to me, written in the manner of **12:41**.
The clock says **12:14**
